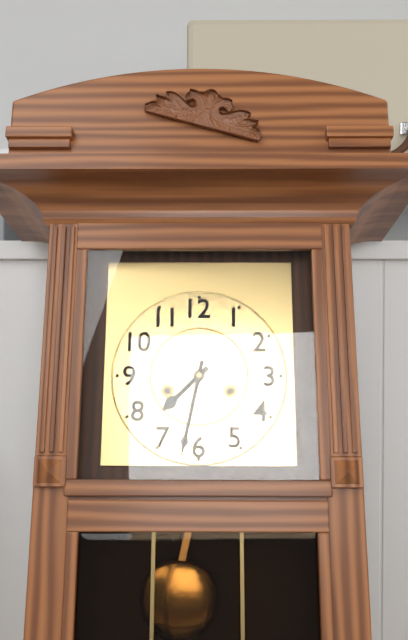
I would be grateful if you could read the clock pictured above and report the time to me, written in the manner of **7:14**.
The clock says **7:32**
